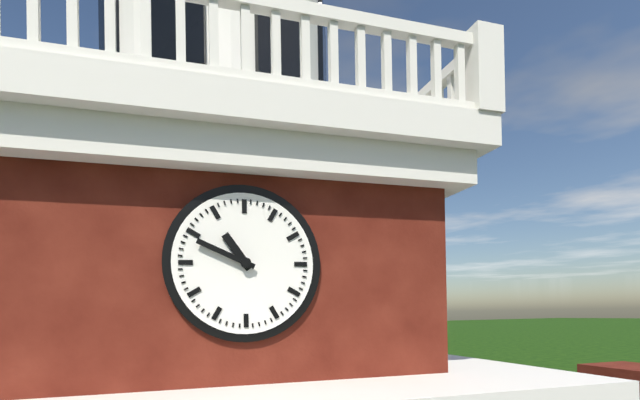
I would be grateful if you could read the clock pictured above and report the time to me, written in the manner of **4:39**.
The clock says **10:49**
